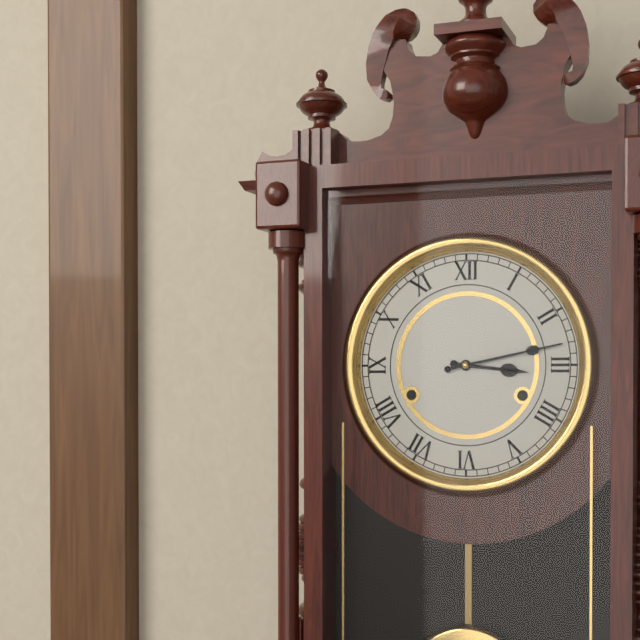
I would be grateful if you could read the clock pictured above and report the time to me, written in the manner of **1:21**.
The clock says **3:13**
